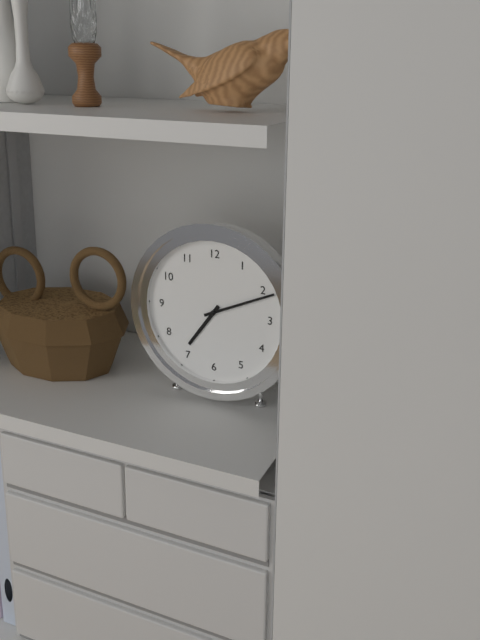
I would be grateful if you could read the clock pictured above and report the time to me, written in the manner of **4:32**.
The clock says **7:11**
